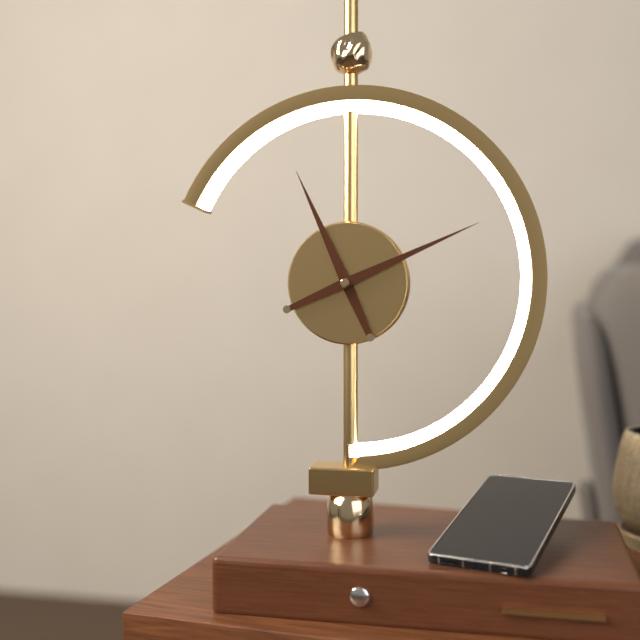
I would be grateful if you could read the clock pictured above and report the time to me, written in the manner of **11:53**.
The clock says **11:11**
